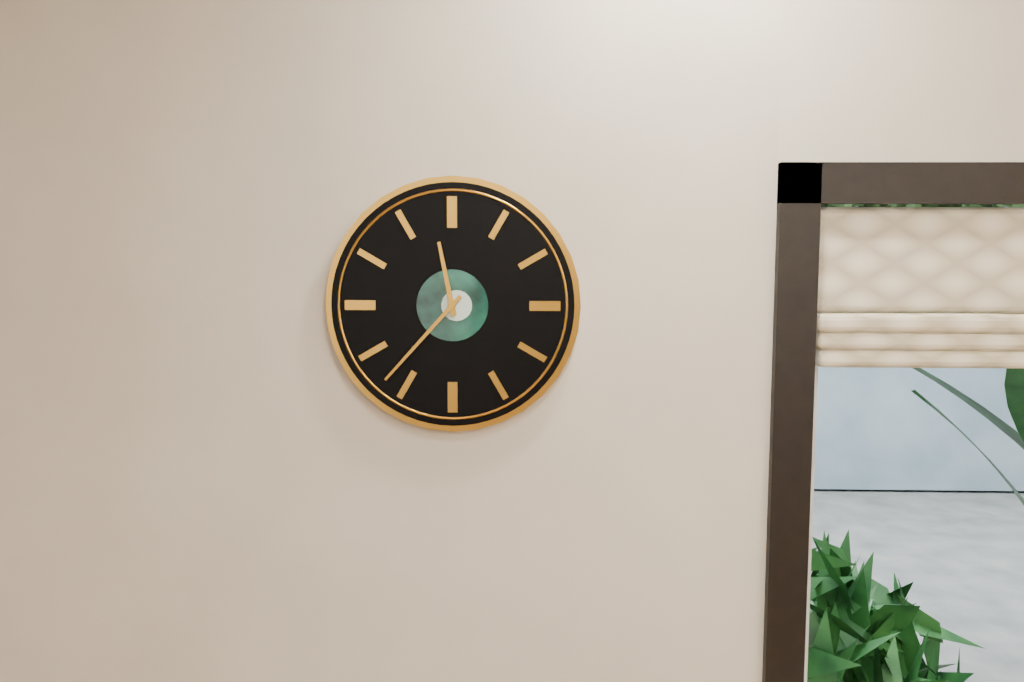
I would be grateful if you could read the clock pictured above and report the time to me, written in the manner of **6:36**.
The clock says **11:37**
